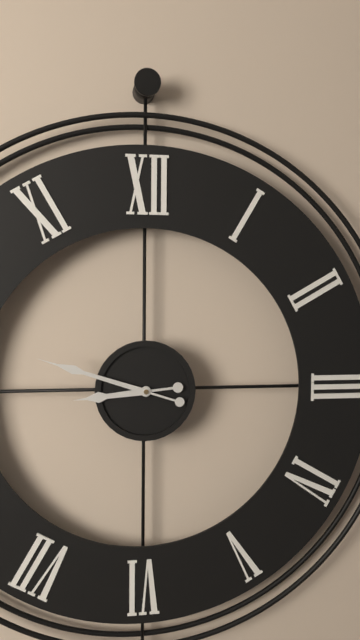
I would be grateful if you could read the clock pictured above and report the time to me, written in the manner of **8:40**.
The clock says **8:48**
